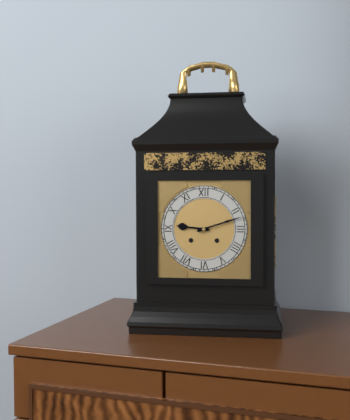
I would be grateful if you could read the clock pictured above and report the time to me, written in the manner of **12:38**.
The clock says **9:12**
